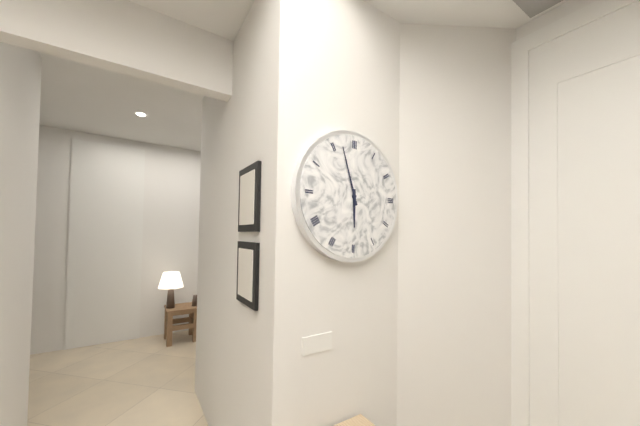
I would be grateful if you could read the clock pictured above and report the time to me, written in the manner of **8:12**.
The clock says **5:57**
